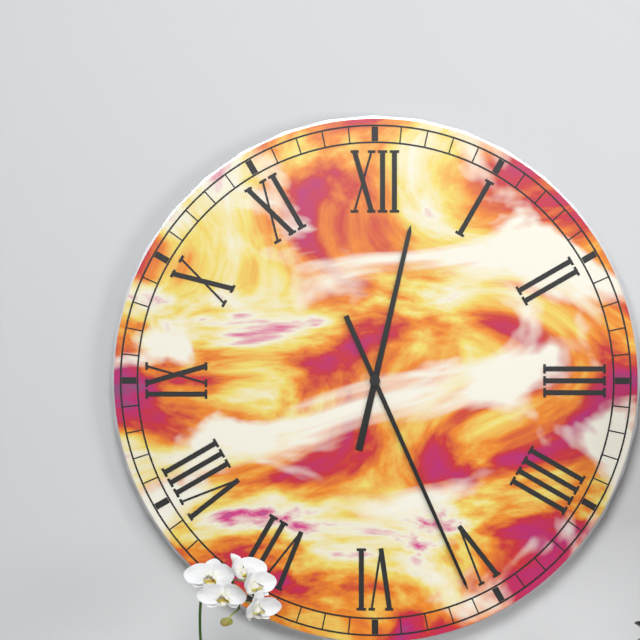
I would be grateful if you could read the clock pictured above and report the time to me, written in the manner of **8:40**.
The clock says **12:26**
